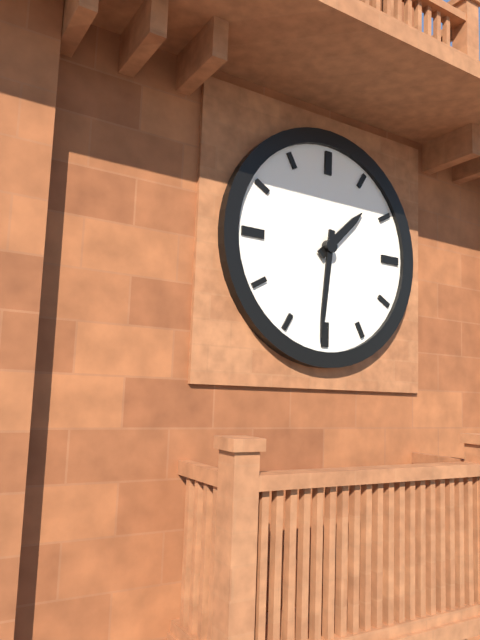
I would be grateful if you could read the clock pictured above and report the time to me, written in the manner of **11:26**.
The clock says **1:31**
